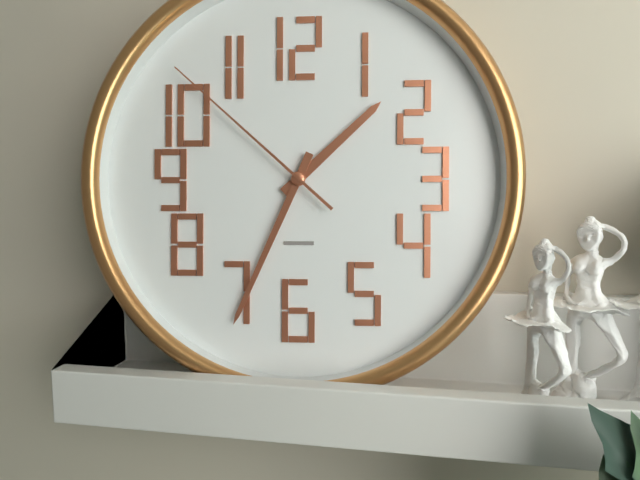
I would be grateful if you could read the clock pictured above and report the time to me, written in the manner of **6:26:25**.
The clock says **1:34:52**
